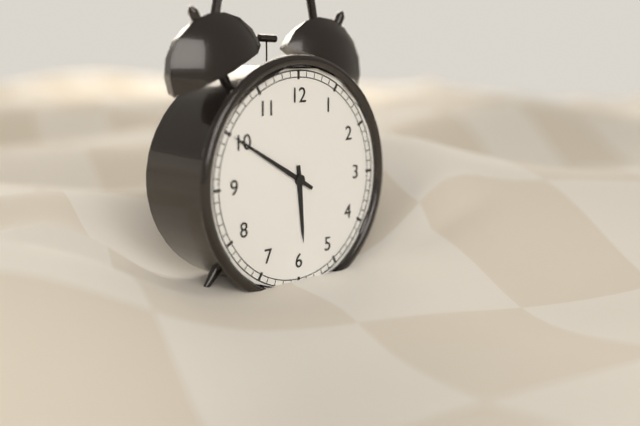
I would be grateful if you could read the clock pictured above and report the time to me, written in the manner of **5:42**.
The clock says **5:50**
